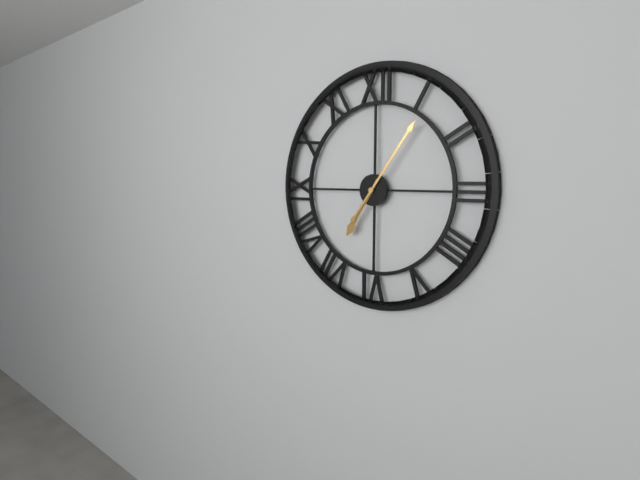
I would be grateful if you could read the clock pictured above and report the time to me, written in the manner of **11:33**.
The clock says **7:06**
